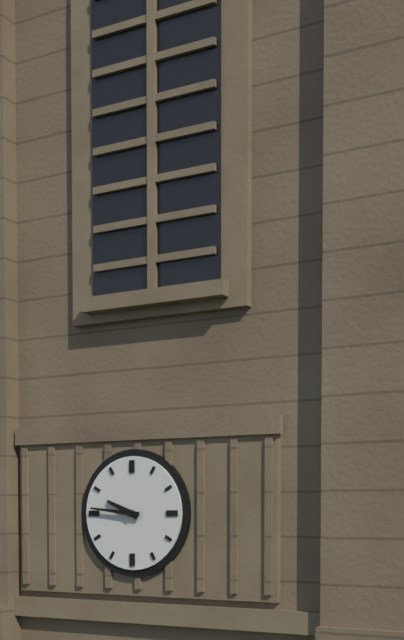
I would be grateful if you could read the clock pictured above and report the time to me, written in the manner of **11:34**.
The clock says **9:46**
